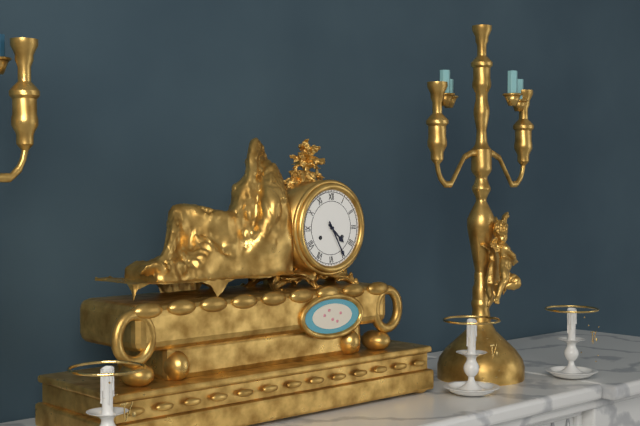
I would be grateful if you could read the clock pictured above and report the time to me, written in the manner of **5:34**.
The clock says **4:25**
